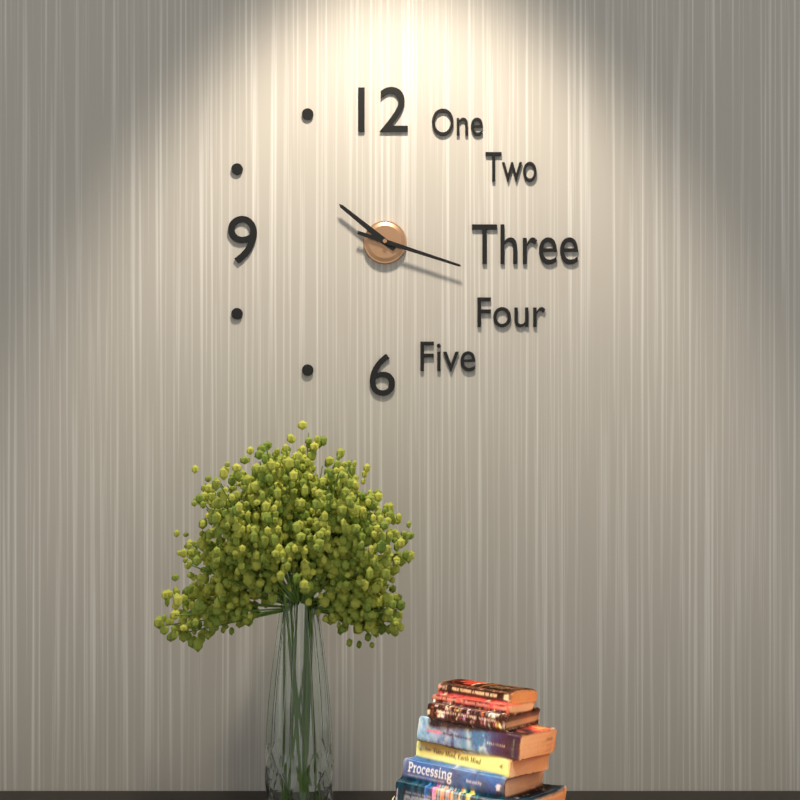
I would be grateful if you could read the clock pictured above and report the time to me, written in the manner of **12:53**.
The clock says **10:18**
